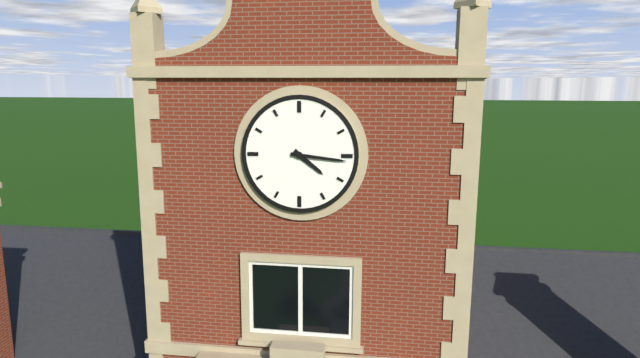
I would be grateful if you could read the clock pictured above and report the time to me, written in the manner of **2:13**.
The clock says **4:16**
